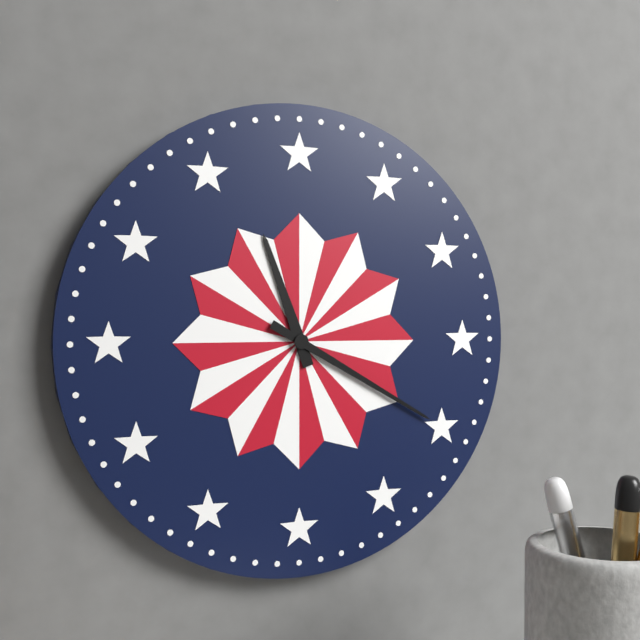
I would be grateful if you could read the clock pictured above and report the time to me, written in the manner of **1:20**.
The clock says **11:20**
